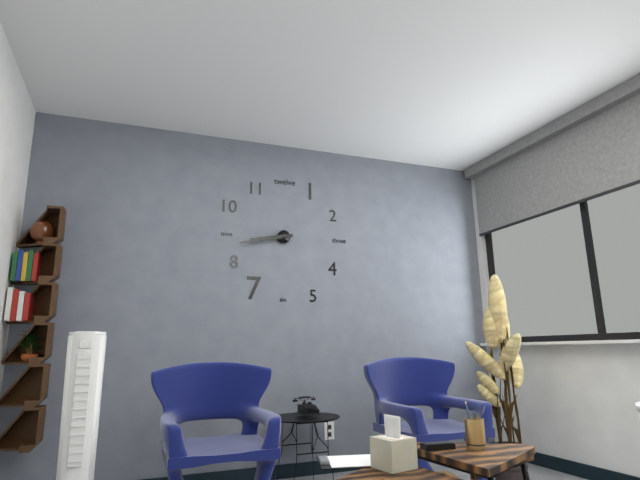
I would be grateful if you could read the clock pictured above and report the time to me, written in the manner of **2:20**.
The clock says **8:43**
